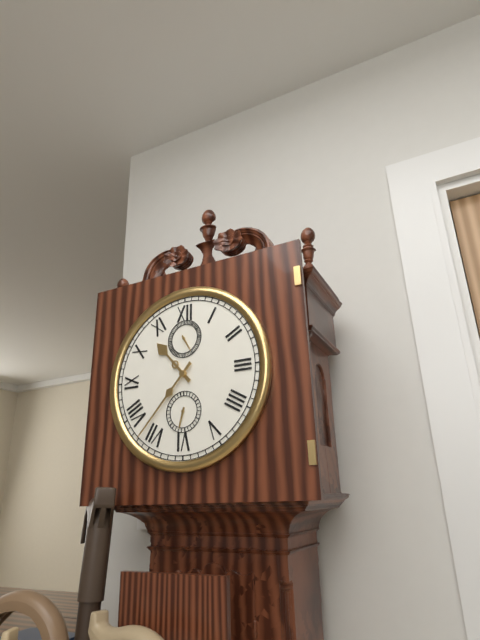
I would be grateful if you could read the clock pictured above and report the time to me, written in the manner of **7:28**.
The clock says **10:37**
